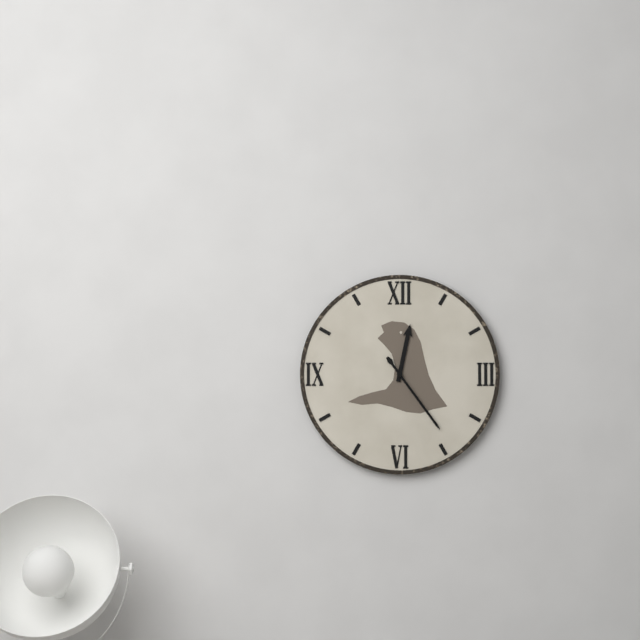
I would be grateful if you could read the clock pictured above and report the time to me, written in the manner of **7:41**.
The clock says **12:24**
